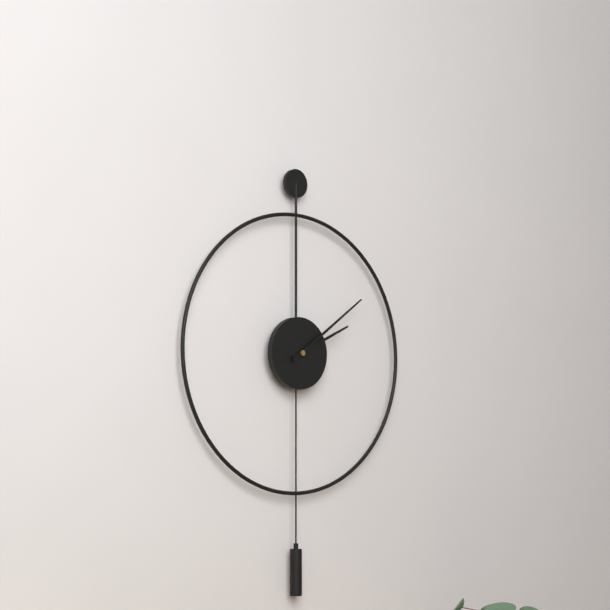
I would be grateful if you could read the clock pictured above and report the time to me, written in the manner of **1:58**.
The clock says **2:09**
